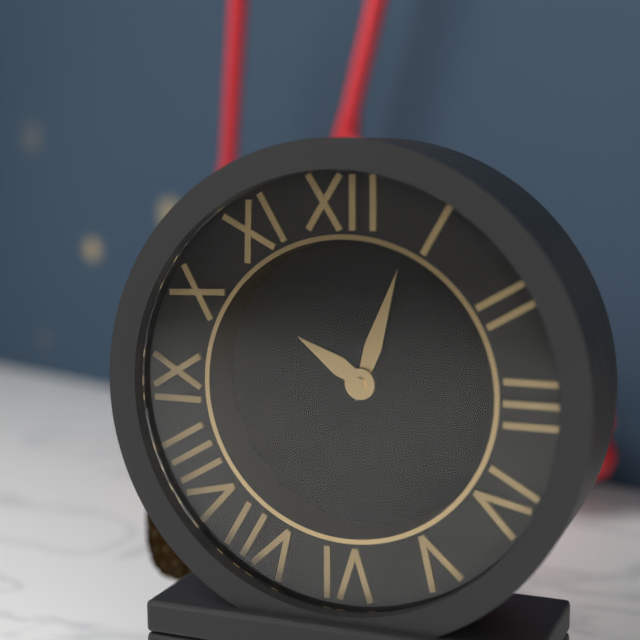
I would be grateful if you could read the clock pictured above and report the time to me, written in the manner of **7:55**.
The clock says **10:03**
